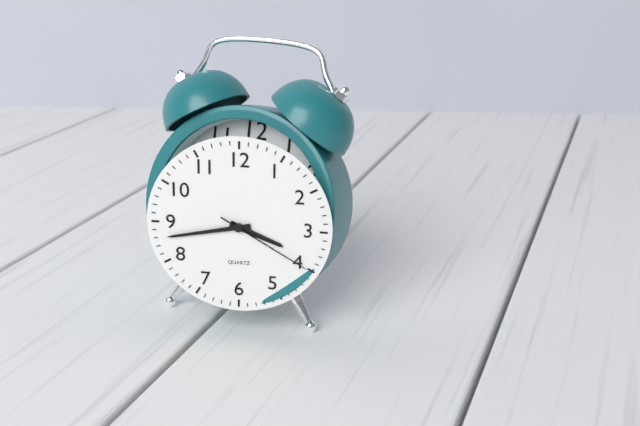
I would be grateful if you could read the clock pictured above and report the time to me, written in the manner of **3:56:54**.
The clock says **3:43:20**
